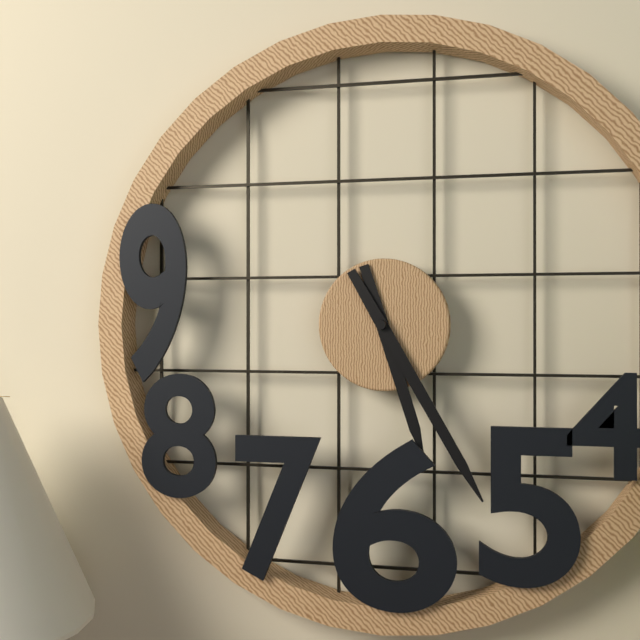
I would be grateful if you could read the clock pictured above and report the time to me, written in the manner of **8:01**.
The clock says **5:25**
